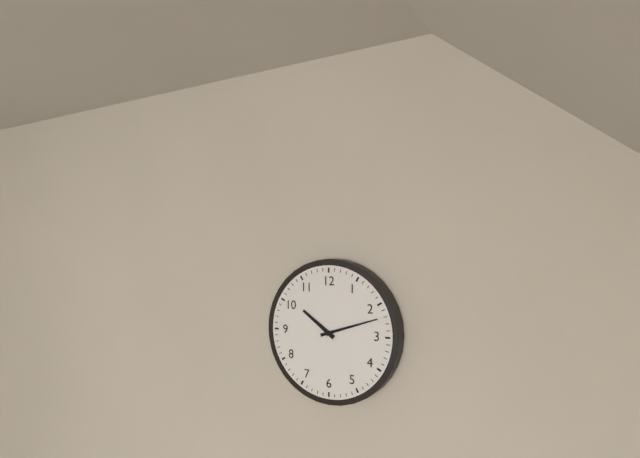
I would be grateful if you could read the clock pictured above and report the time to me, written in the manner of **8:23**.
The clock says **10:12**
